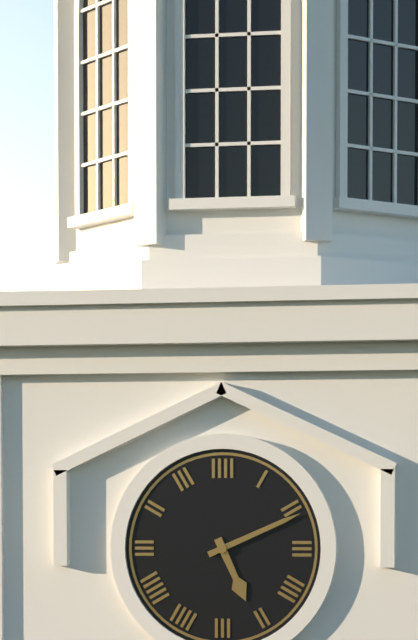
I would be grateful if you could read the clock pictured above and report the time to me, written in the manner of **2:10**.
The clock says **5:11**
